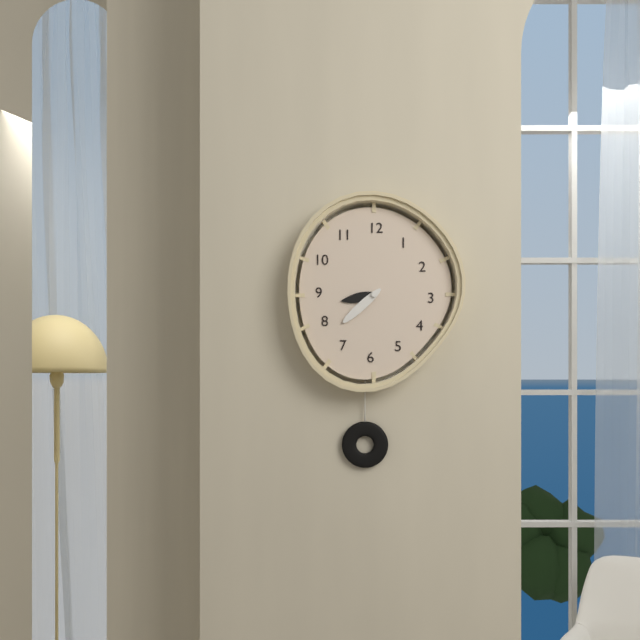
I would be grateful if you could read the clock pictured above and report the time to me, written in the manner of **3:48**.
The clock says **8:38**
